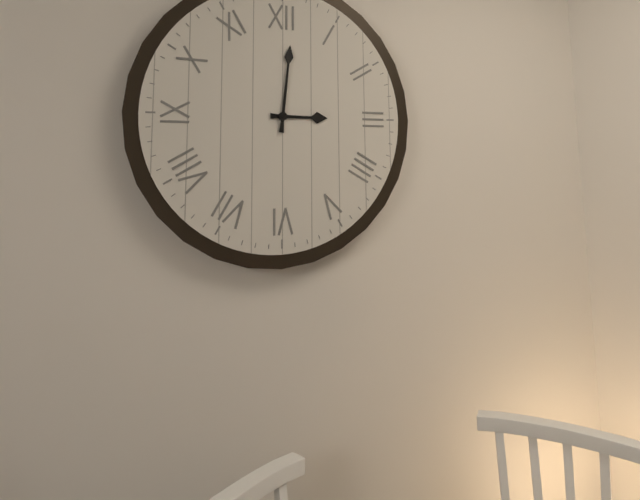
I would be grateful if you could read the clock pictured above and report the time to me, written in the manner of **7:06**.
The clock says **3:01**
